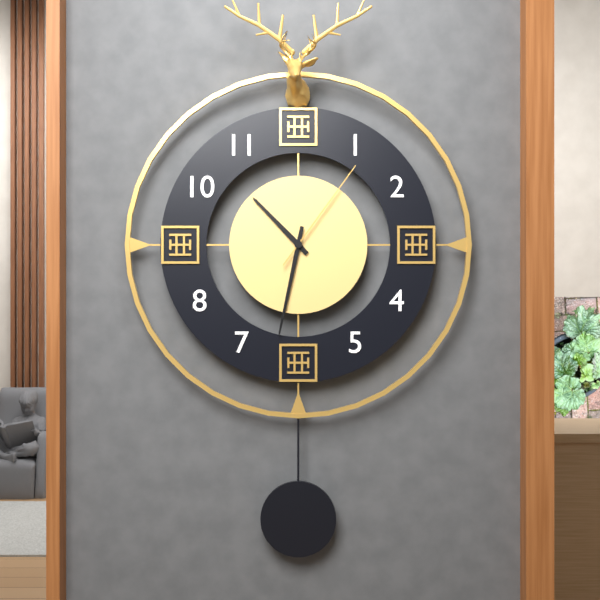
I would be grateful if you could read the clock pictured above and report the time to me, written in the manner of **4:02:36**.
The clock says **10:32:06**
